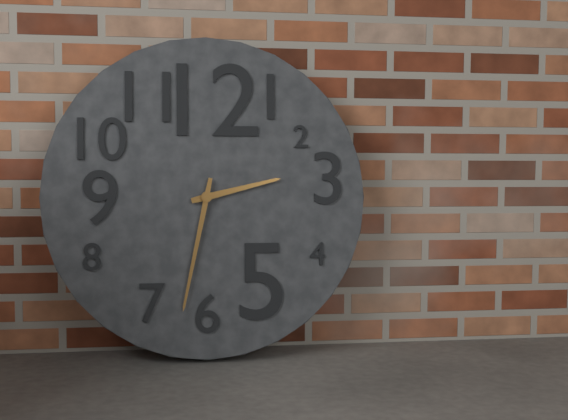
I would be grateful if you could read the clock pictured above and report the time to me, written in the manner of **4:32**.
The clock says **2:32**
